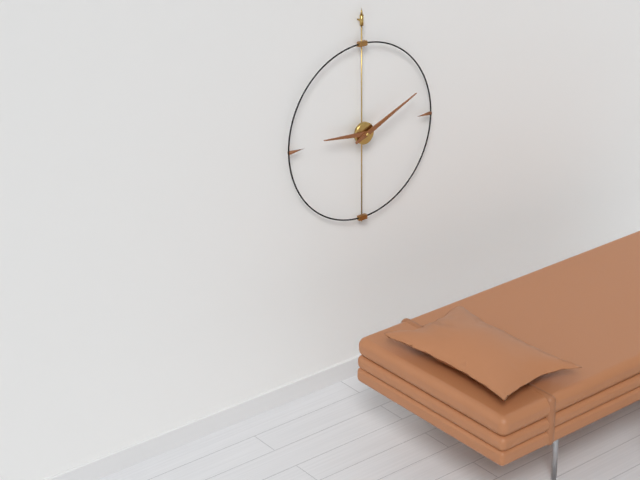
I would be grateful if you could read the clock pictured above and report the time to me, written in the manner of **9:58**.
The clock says **9:11**
